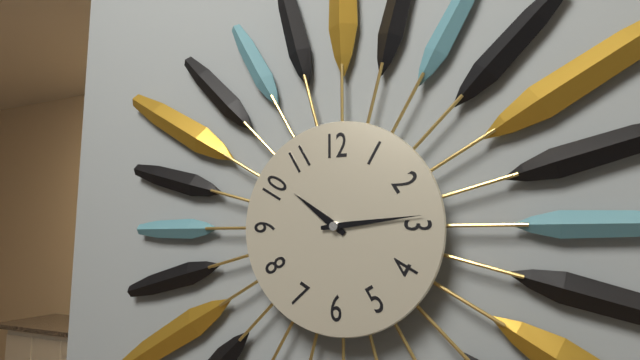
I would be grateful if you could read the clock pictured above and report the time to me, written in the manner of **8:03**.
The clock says **10:14**
